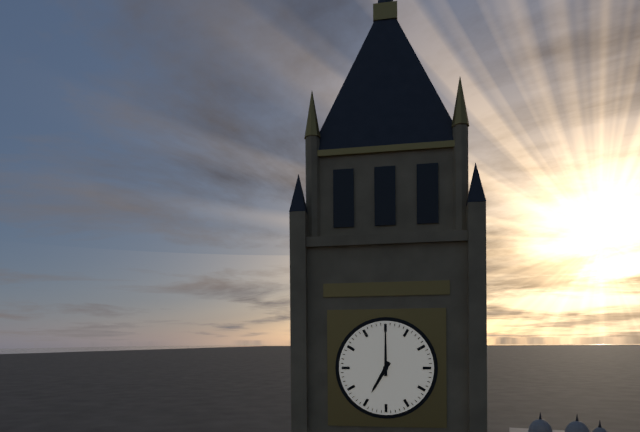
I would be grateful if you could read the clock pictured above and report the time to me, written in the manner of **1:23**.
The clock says **7:00**
